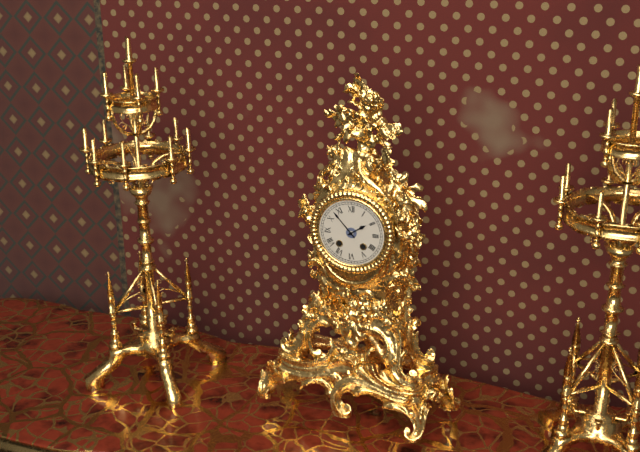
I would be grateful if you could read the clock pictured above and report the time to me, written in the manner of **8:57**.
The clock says **1:53**
